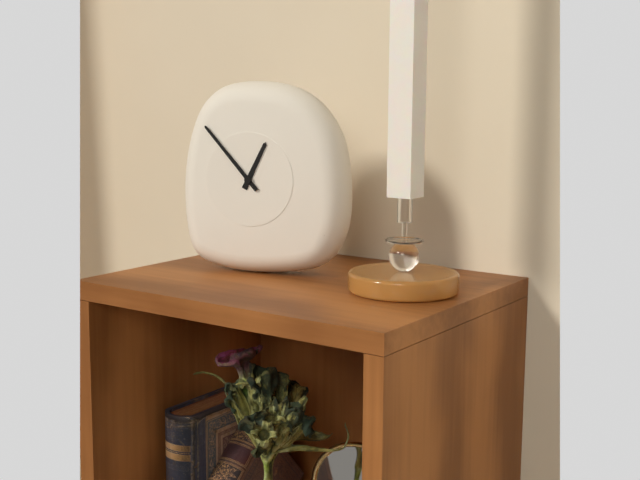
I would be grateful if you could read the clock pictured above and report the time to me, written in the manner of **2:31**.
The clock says **12:53**
